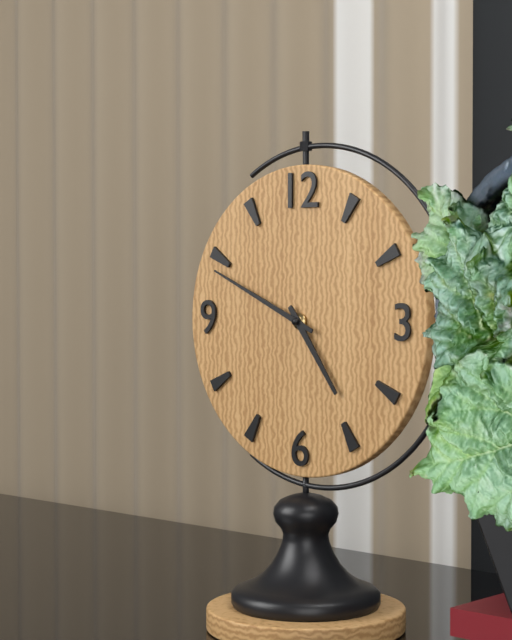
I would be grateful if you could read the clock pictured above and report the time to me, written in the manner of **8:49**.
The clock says **4:49**
